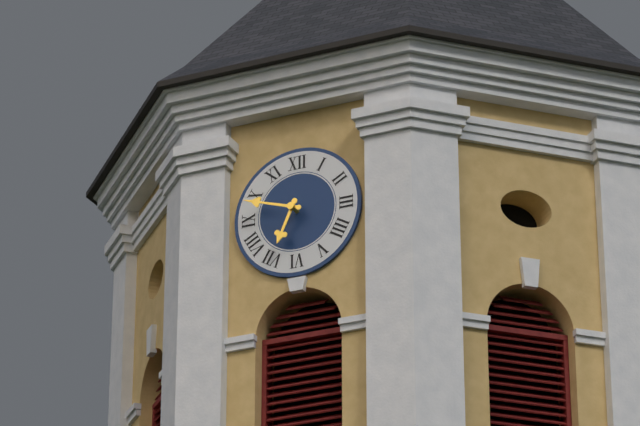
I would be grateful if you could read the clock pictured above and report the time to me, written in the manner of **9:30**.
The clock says **6:48**
